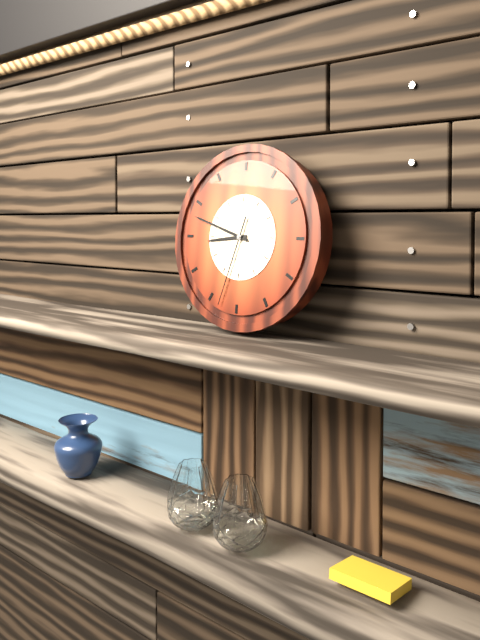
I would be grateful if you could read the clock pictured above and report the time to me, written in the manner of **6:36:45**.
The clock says **8:48:33**
